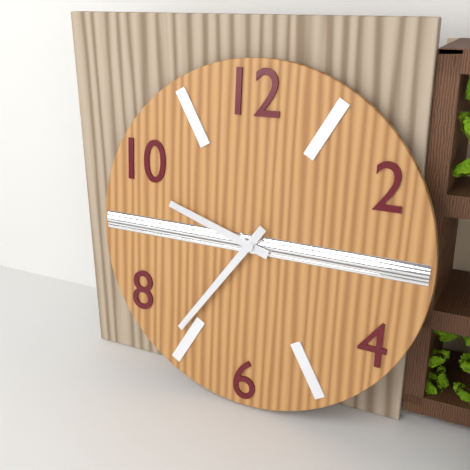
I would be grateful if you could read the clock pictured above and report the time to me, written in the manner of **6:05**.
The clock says **9:36**
